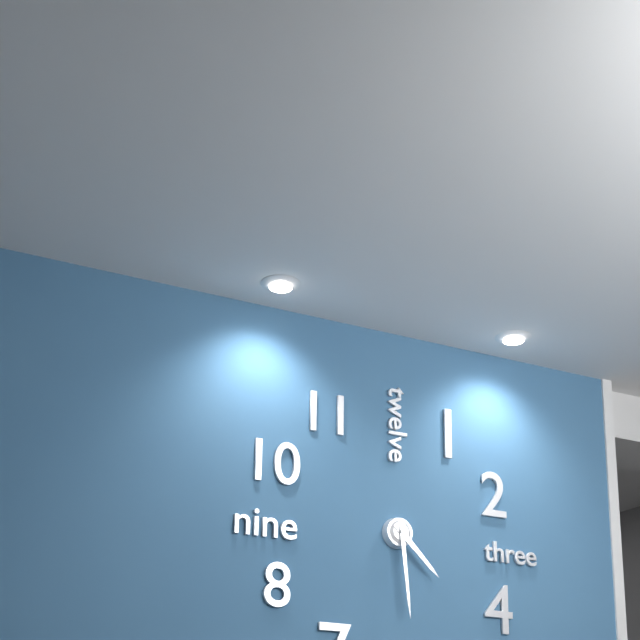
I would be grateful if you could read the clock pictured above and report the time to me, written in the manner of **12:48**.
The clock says **4:29**
